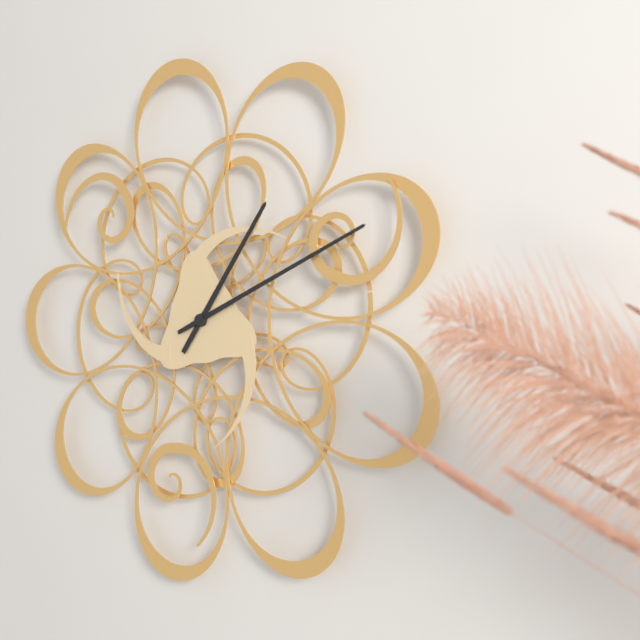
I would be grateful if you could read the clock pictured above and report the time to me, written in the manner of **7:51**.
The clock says **1:11**
